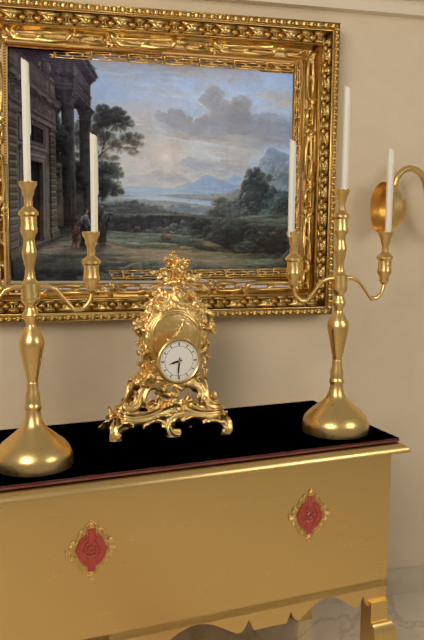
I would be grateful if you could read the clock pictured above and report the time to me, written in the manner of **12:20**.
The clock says **8:31**
